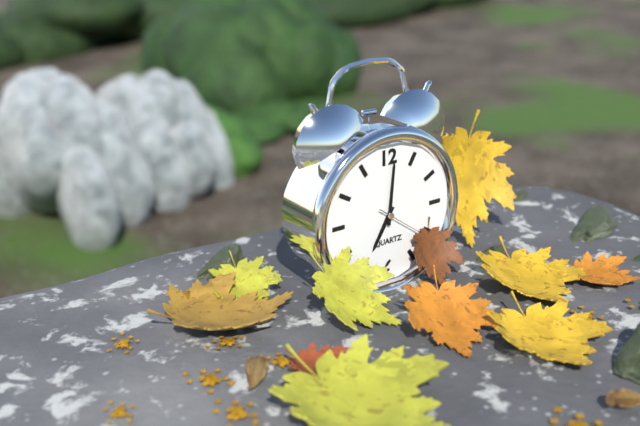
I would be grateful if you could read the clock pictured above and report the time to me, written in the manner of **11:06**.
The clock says **7:01**
